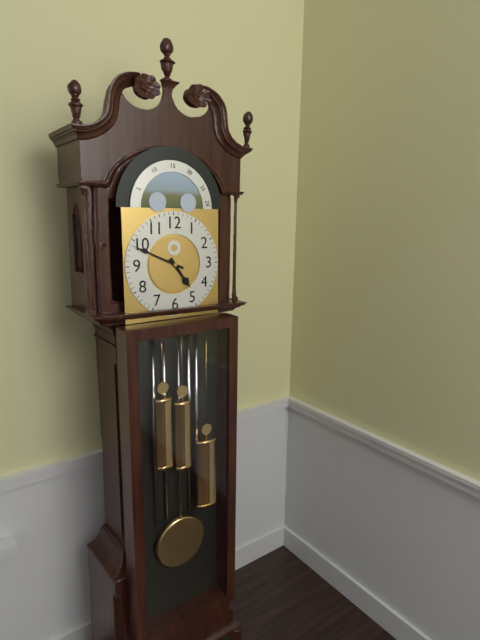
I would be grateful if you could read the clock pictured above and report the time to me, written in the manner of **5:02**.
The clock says **4:49**
